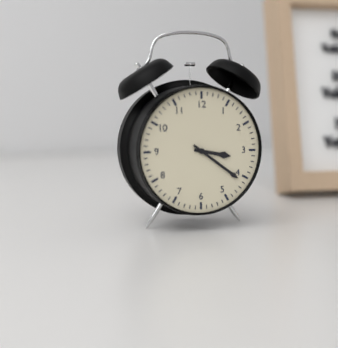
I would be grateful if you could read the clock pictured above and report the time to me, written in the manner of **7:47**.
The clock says **3:21**
